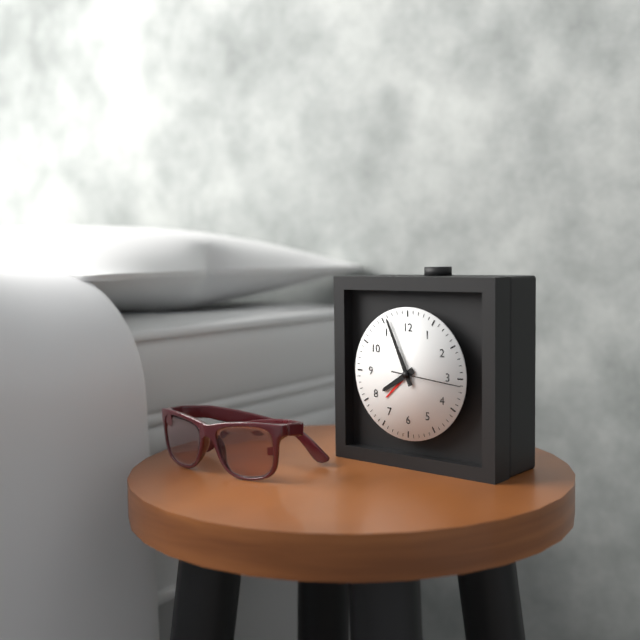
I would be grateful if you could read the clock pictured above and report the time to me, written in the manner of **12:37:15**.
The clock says **7:56:16**
